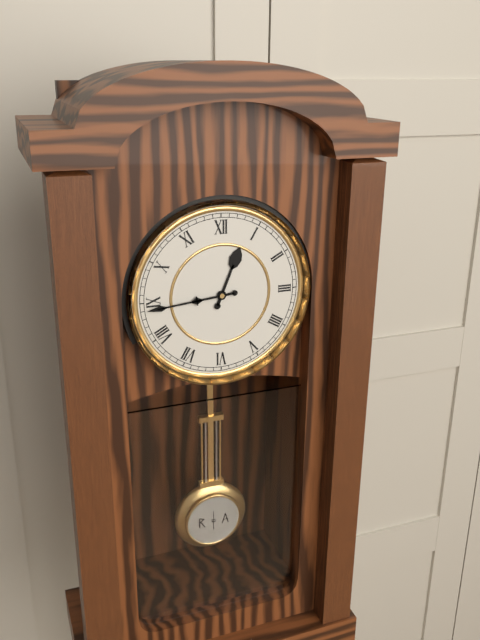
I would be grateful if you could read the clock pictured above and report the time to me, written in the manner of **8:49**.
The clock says **12:44**
